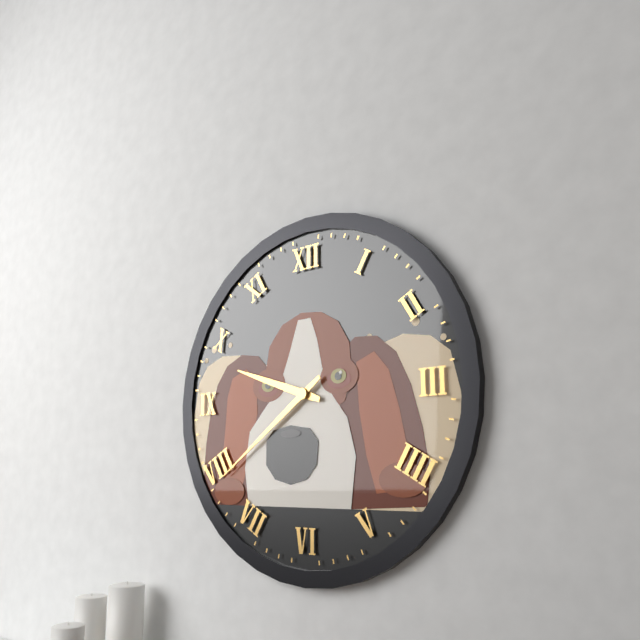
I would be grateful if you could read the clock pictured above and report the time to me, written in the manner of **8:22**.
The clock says **9:39**
